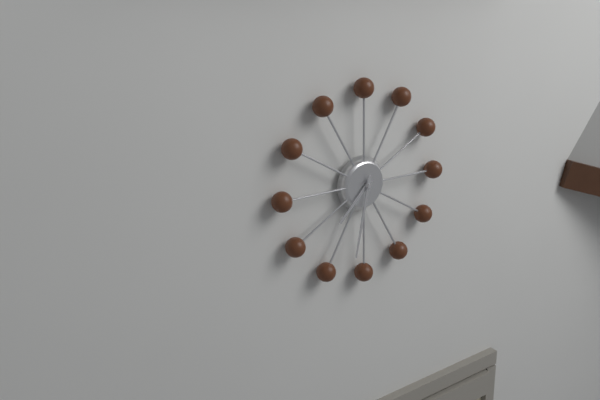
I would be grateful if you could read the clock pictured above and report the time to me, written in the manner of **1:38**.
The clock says **7:32**
